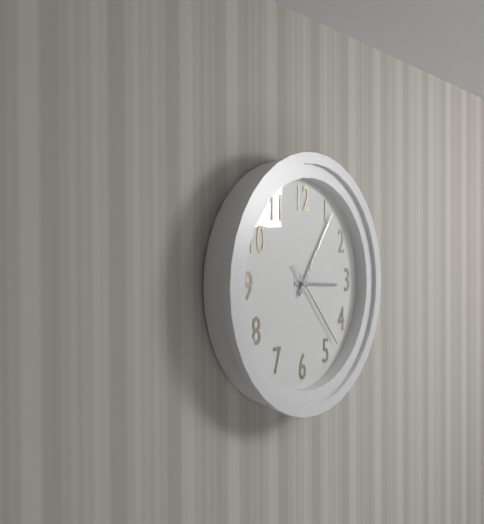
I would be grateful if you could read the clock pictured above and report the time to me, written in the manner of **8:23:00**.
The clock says **3:06:23**
